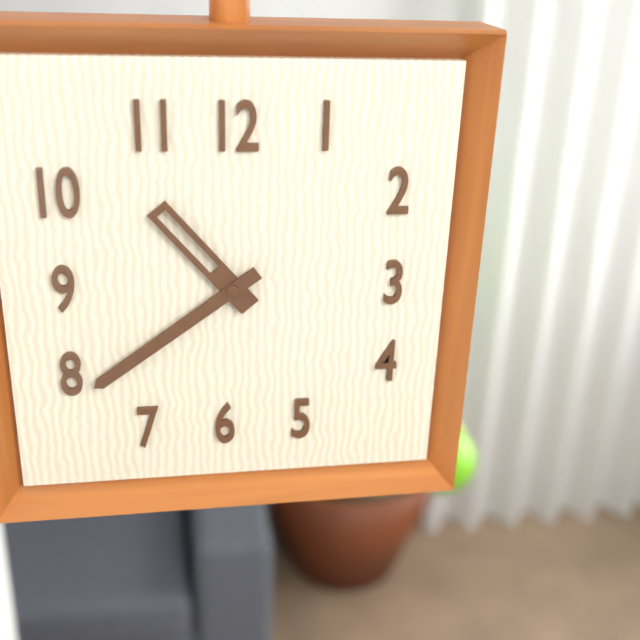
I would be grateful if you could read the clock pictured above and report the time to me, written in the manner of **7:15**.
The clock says **10:39**
